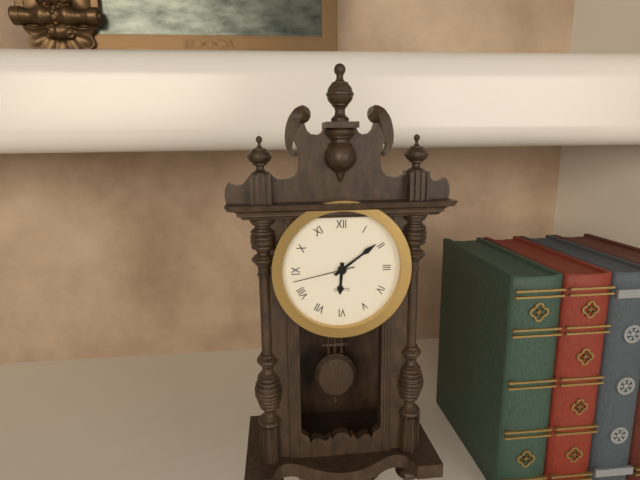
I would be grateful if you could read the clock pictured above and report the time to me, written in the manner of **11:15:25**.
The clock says **6:09:43**
